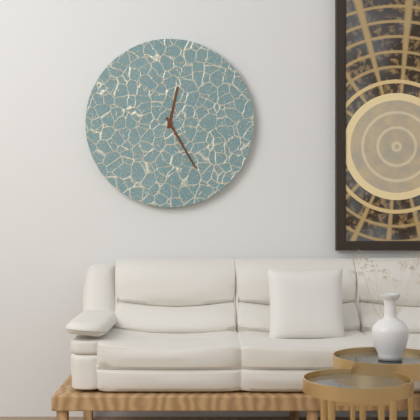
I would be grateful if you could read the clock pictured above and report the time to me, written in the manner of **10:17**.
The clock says **12:25**
